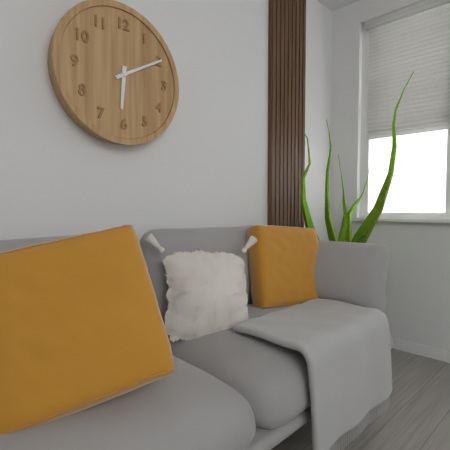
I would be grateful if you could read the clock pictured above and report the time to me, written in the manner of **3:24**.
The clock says **6:10**
